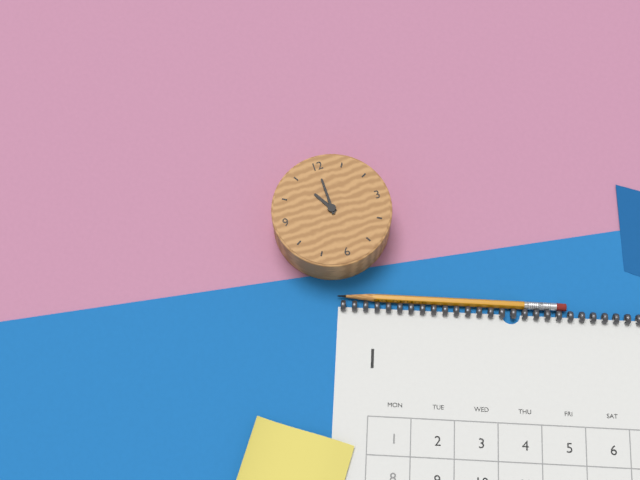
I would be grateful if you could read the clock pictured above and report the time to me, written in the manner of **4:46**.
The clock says **11:00**
